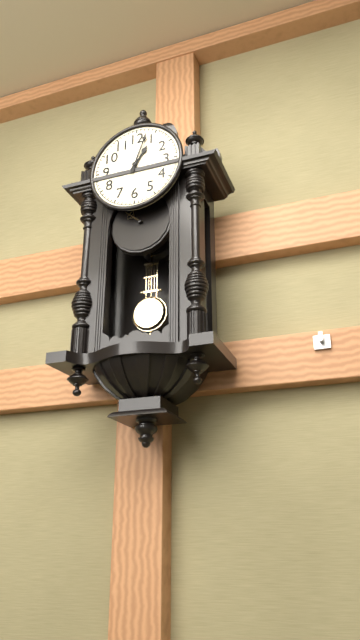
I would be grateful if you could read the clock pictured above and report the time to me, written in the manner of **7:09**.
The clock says **1:03**
